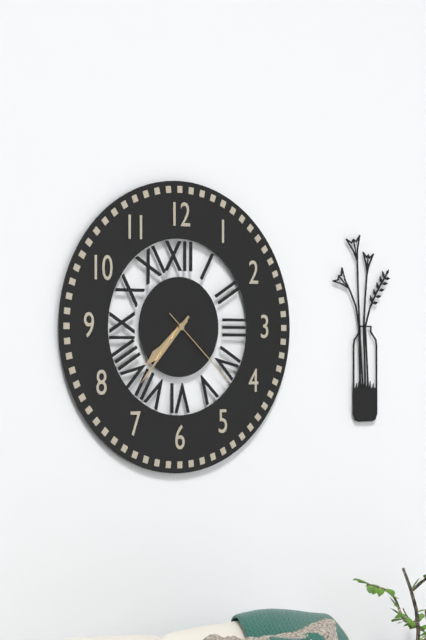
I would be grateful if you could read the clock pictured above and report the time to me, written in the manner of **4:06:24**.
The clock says **7:37:22**
